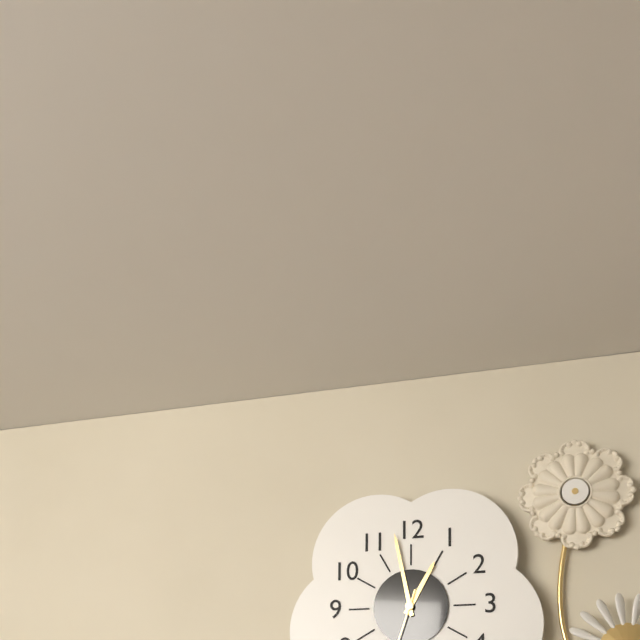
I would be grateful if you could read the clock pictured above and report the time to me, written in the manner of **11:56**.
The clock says **12:58**
